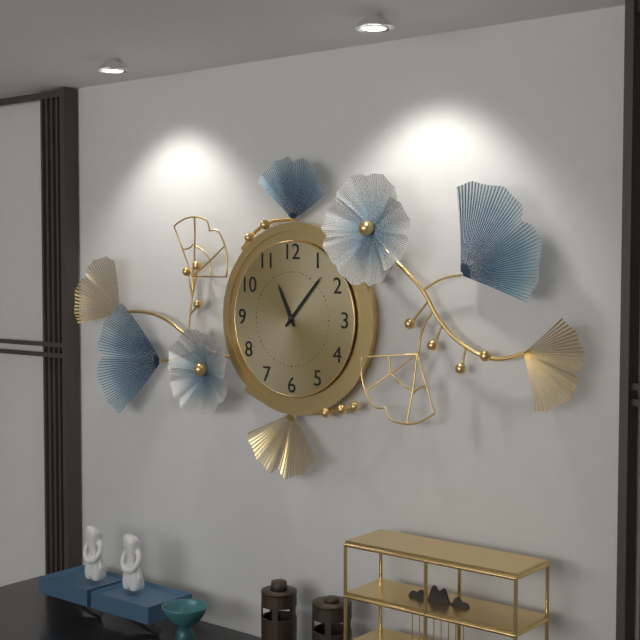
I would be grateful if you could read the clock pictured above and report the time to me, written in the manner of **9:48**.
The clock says **11:07**
